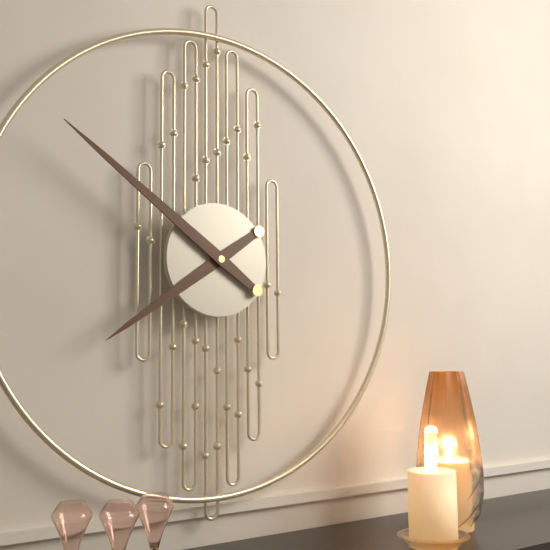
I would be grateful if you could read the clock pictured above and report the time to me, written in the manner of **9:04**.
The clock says **7:51**
